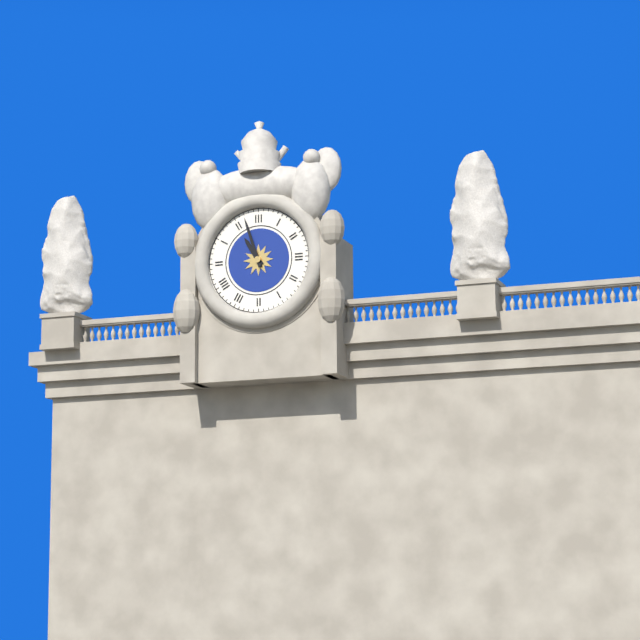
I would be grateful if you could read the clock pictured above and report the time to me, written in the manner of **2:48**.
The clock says **10:57**
